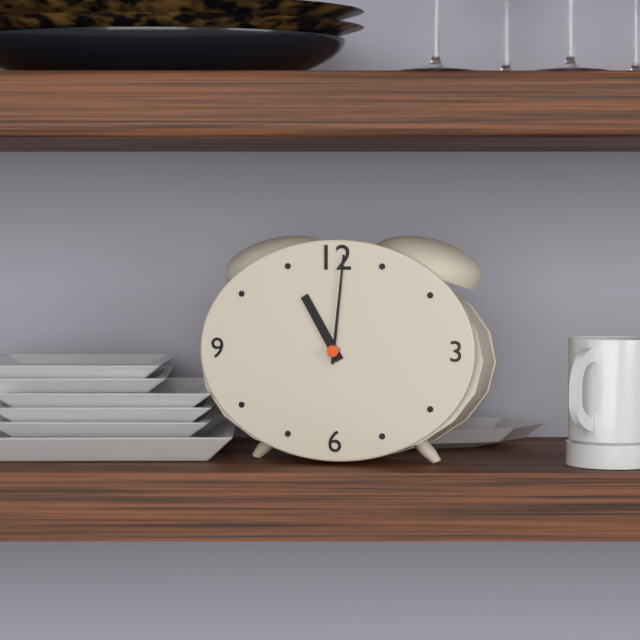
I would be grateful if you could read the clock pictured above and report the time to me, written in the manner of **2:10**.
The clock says **11:01**
